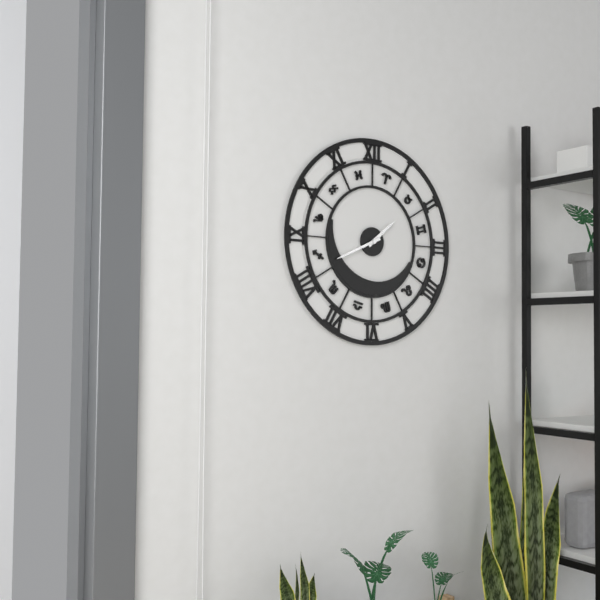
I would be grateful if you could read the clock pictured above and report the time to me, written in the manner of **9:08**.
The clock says **1:41**
